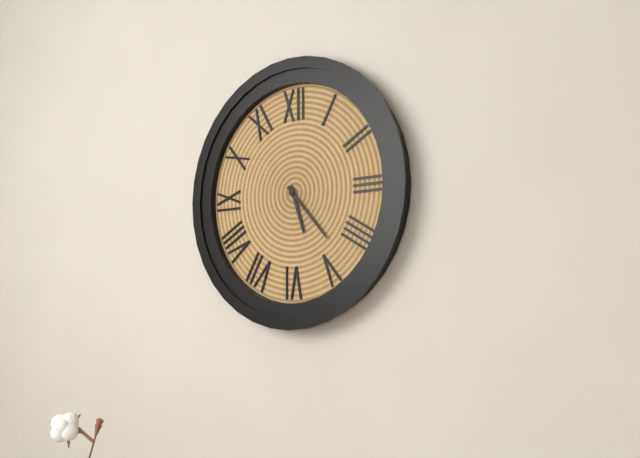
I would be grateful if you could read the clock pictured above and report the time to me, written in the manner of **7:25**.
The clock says **5:23**
